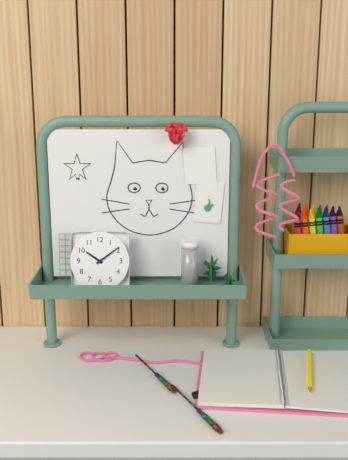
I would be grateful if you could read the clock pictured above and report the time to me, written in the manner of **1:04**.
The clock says **10:09**
